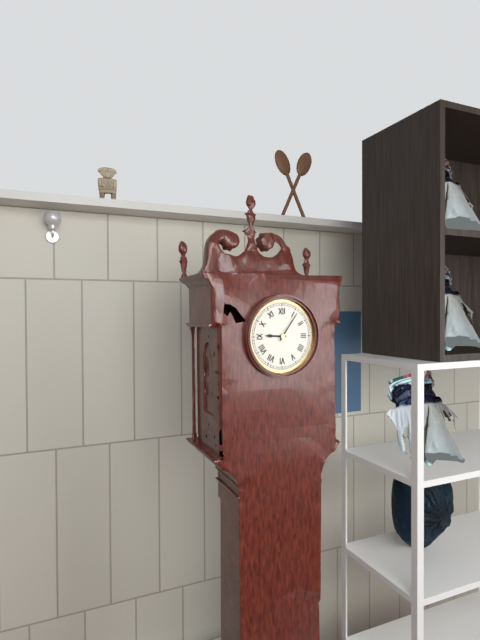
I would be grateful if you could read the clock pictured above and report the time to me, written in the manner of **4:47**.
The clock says **9:06**
